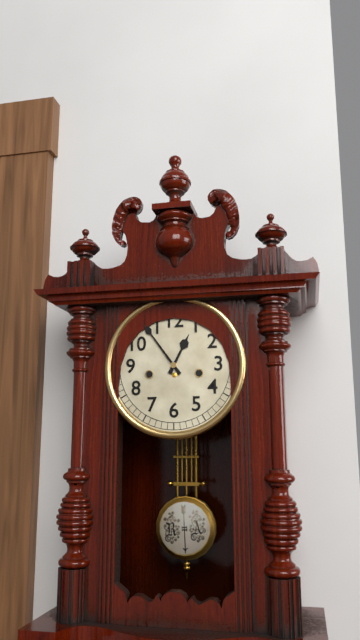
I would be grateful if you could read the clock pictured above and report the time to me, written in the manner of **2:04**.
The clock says **12:54**
